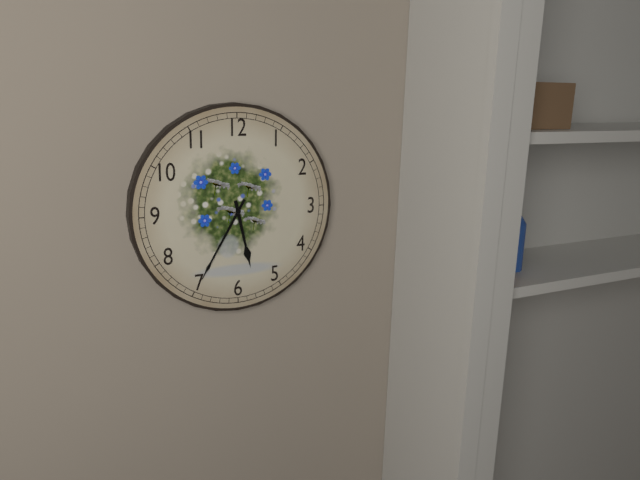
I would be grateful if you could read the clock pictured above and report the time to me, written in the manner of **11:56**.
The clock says **5:35**
